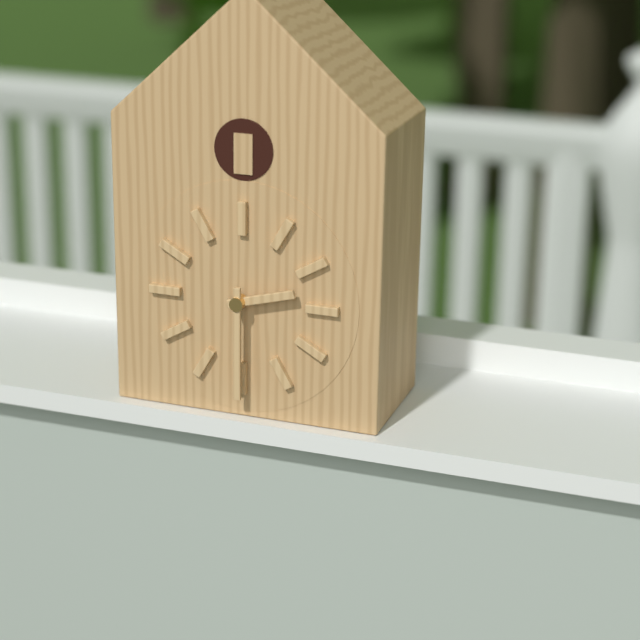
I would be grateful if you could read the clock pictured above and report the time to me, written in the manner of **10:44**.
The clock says **2:30**
